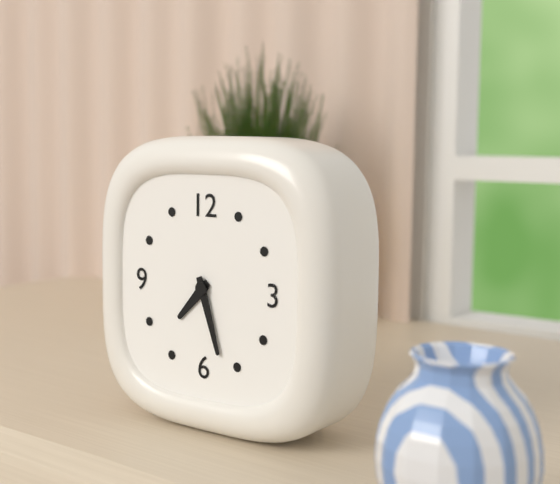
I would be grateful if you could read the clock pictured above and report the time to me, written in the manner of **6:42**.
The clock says **7:27**
